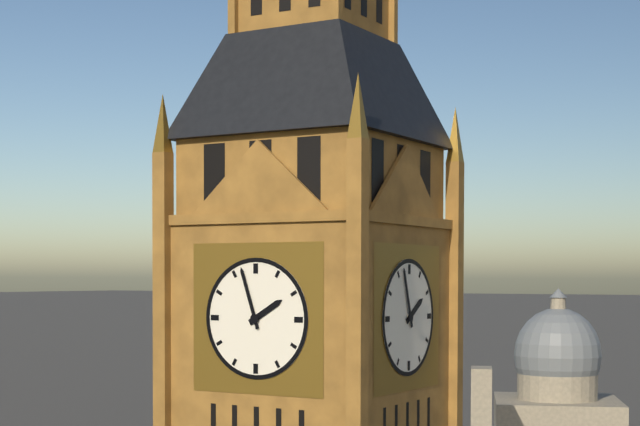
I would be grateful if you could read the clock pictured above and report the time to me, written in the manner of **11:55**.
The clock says **1:57**
